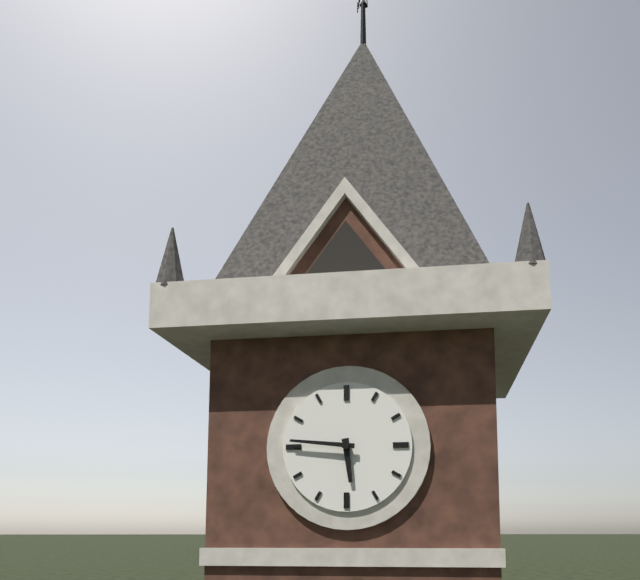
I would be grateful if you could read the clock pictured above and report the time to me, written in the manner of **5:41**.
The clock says **5:46**
